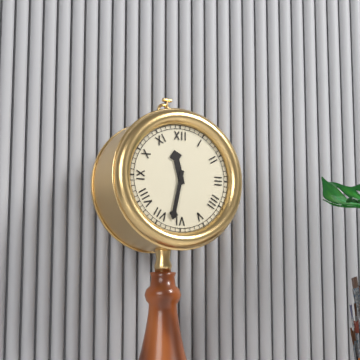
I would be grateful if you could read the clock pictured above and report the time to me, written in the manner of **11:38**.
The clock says **11:32**
